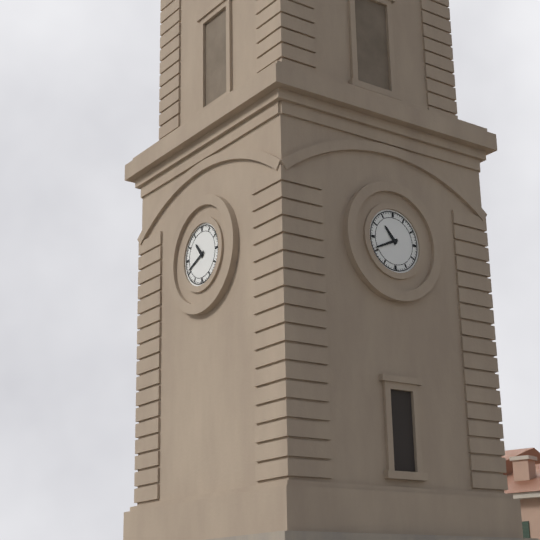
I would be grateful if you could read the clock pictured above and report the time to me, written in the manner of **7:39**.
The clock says **10:41**
